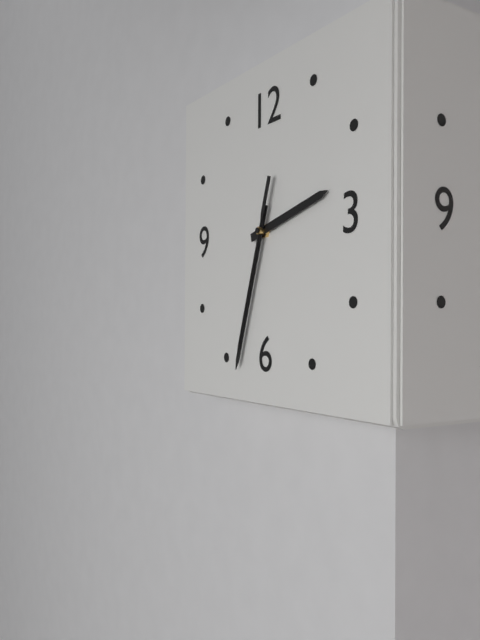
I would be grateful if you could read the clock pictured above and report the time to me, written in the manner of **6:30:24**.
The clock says **2:33:33**
